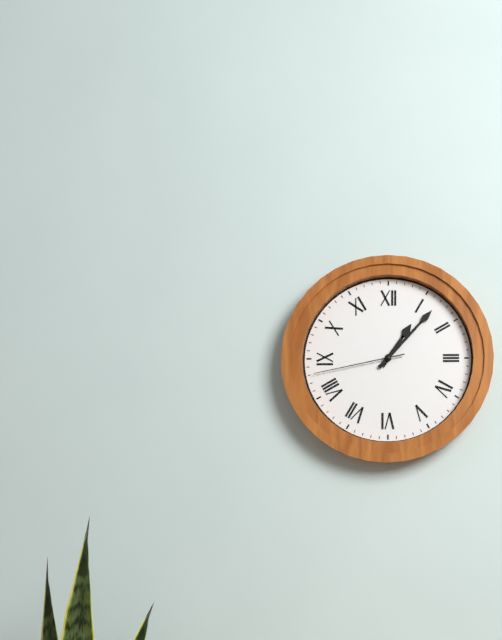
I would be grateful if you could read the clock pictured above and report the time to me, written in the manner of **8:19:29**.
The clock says **1:07:43**
